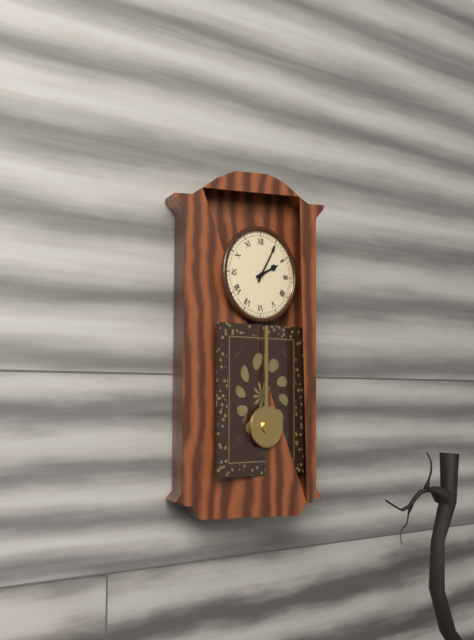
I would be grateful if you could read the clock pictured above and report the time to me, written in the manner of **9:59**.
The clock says **2:05**
